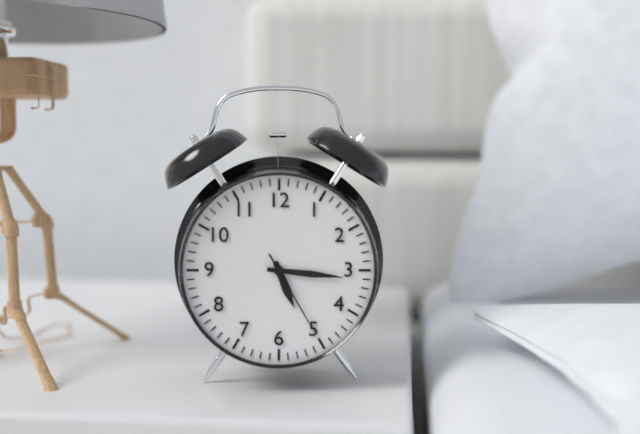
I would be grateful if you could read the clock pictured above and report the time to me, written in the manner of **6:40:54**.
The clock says **5:16:25**
